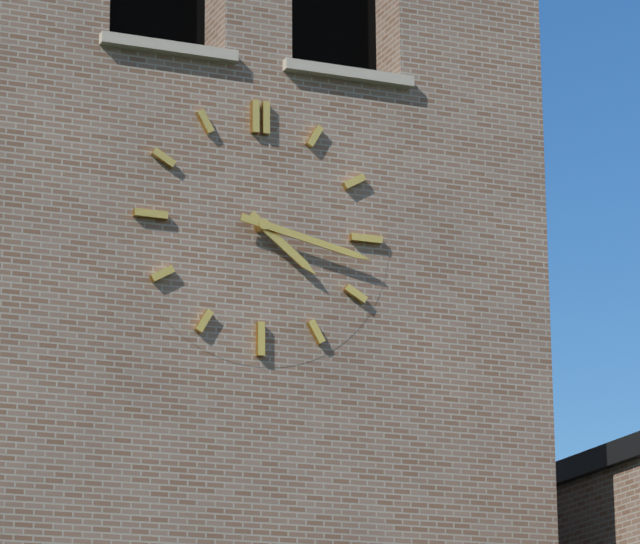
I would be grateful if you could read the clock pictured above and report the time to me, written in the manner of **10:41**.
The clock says **4:17**
